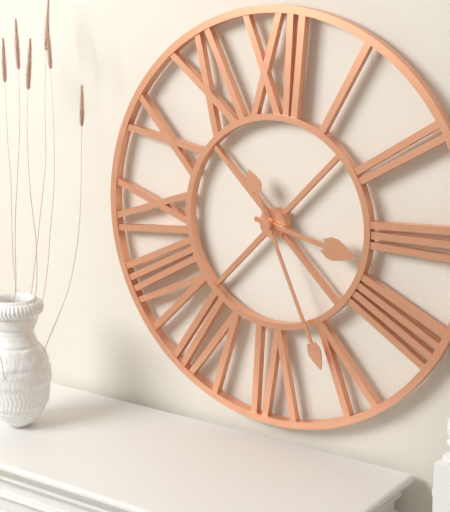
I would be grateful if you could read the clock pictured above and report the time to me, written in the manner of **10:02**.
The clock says **3:26**
